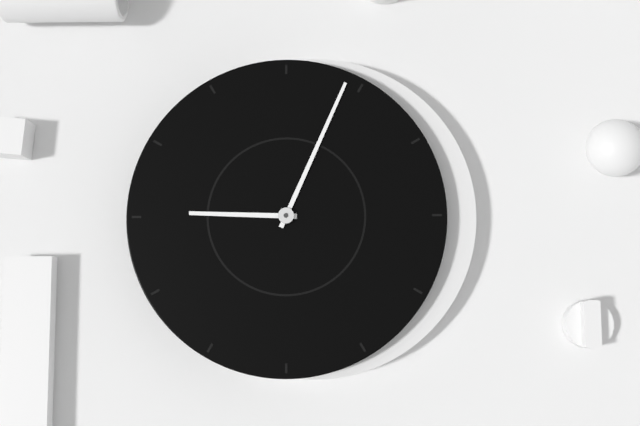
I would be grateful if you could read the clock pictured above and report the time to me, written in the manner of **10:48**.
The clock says **9:04**
